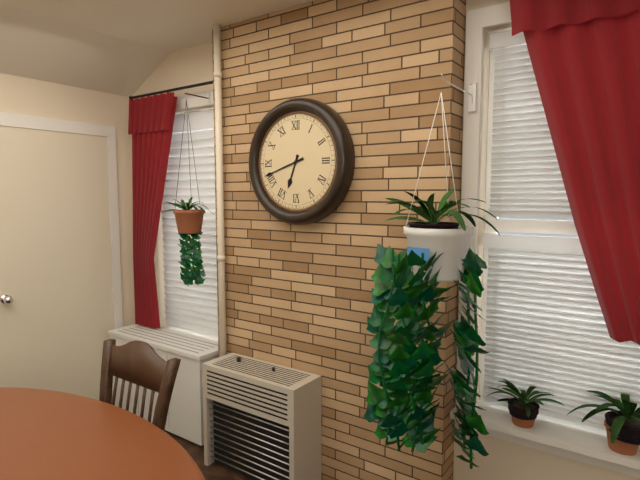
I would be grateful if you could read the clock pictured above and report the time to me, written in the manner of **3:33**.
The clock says **6:42**
